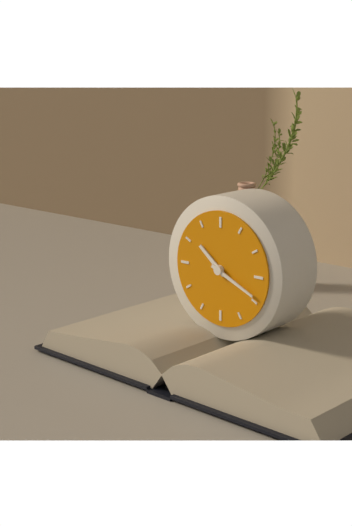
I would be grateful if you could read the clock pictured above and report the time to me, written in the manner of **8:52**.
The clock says **10:19**
